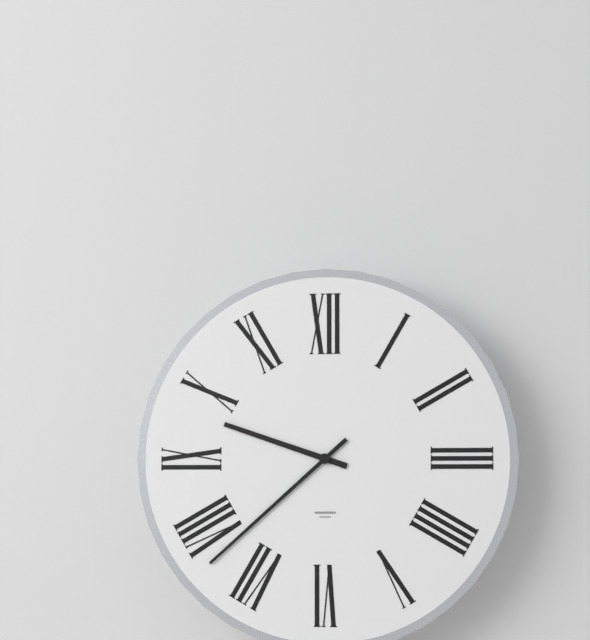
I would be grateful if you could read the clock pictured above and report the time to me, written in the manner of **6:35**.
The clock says **9:38**
